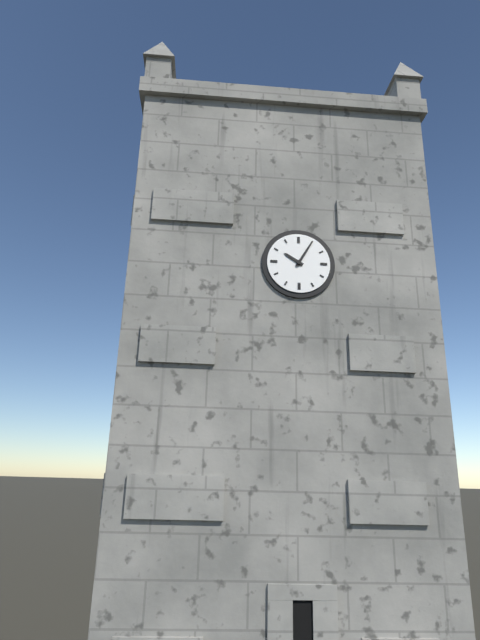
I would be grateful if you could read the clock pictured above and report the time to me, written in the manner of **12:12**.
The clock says **10:05**
